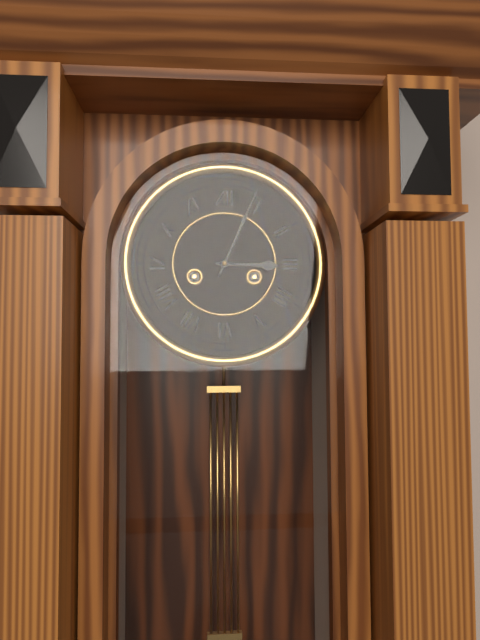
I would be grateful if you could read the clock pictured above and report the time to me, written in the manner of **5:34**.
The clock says **3:04**
